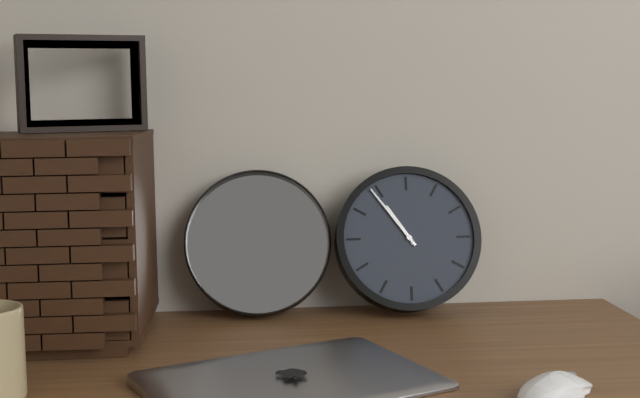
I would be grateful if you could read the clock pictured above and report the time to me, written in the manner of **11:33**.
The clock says **10:54**
